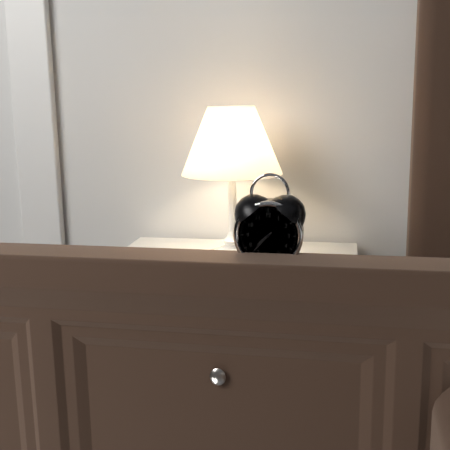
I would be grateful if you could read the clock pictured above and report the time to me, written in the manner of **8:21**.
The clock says **7:37**
